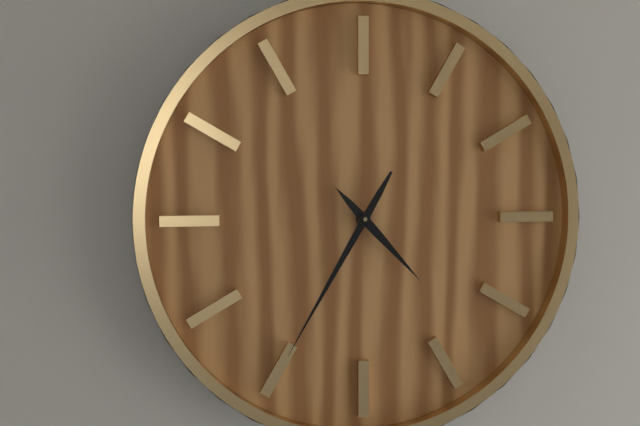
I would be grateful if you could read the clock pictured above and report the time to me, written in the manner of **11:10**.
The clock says **4:35**
